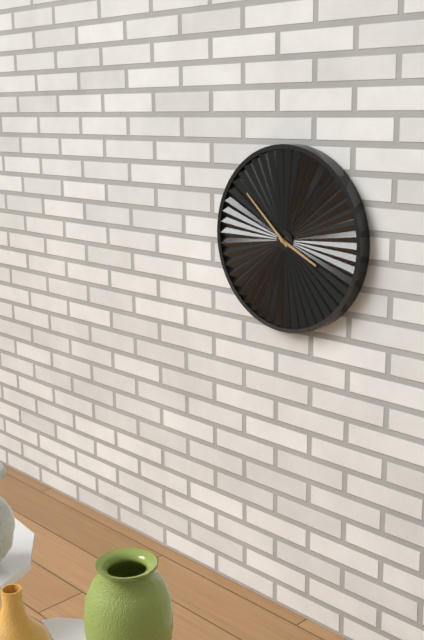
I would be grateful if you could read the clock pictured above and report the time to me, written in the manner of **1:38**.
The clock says **3:52**
